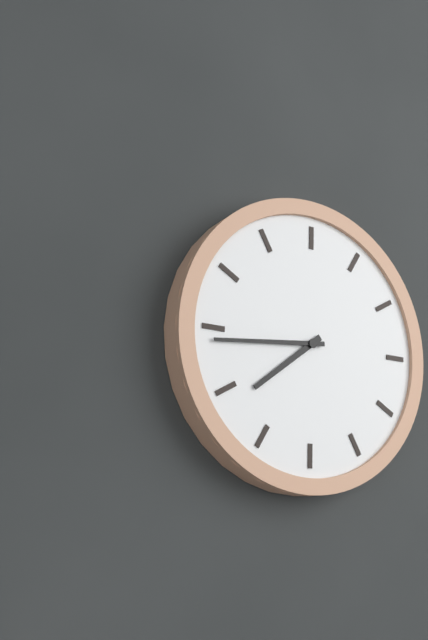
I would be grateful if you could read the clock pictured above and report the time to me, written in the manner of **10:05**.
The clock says **7:44**
